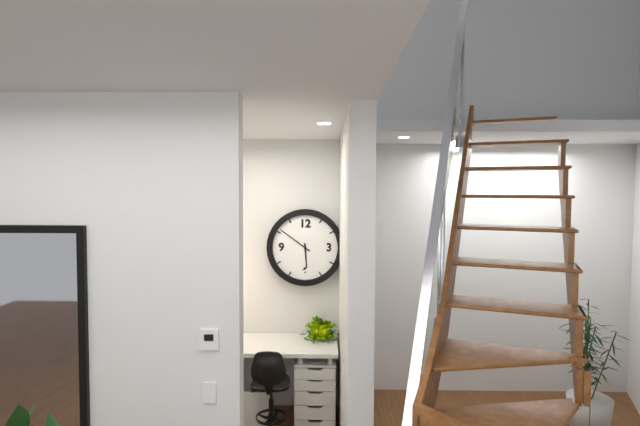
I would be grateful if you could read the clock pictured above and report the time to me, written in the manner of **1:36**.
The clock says **5:51**
